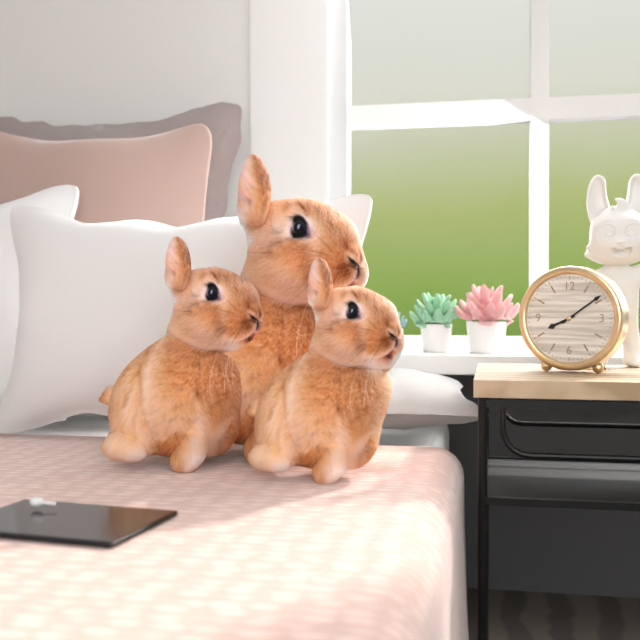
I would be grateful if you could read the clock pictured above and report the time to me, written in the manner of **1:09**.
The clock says **8:09**
